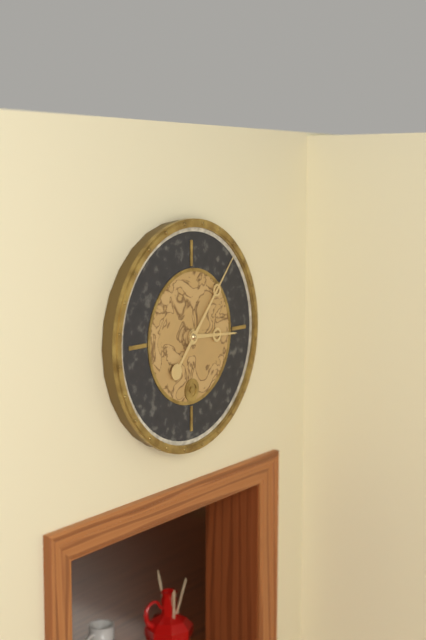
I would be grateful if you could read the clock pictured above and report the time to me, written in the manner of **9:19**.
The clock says **3:07**
